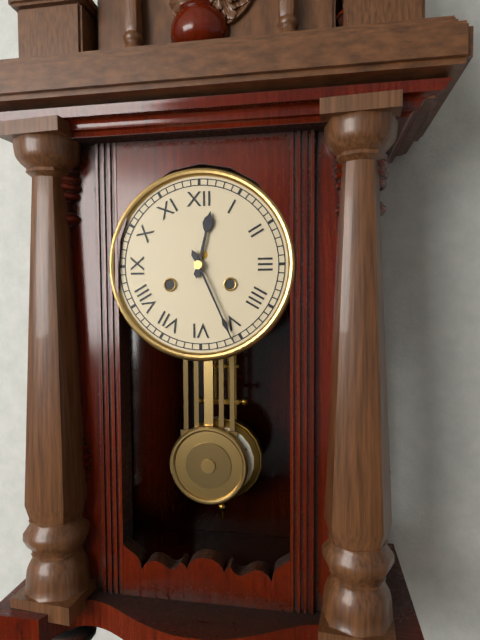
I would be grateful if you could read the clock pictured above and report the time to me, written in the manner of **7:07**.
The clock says **12:26**
